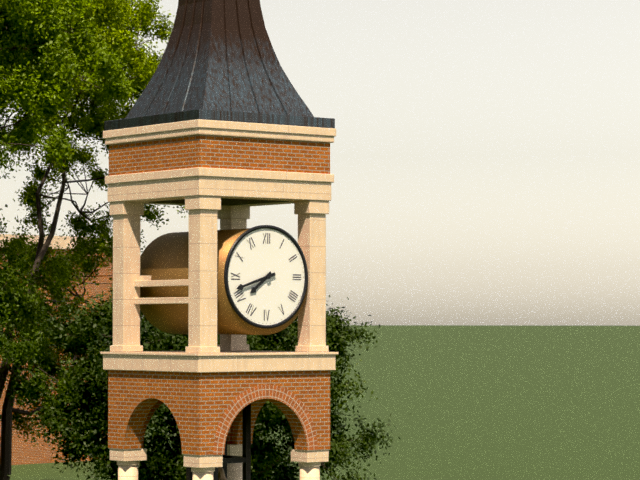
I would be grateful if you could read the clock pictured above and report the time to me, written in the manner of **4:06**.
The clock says **7:42**
